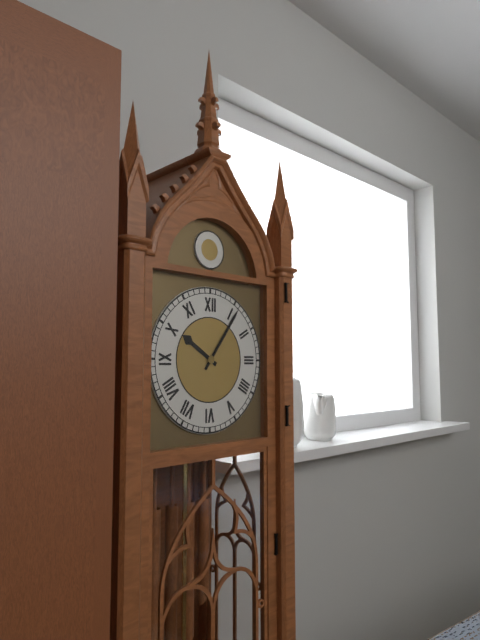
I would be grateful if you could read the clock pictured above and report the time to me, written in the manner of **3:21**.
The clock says **10:06**
